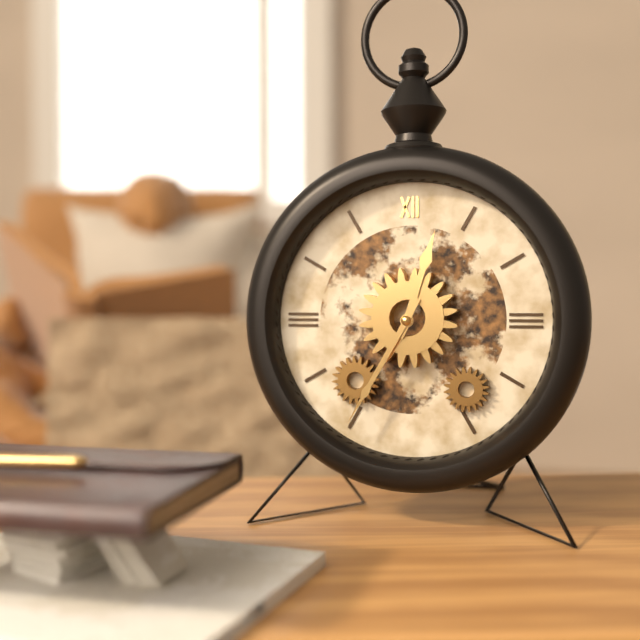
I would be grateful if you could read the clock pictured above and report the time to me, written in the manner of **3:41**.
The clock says **12:35**
